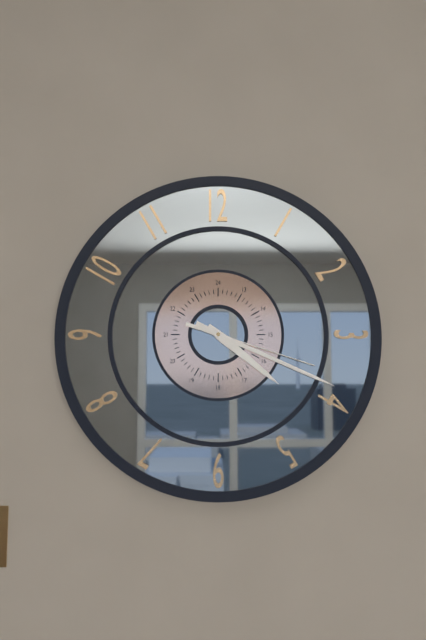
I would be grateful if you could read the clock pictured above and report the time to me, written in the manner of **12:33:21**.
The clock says **4:19:18**
